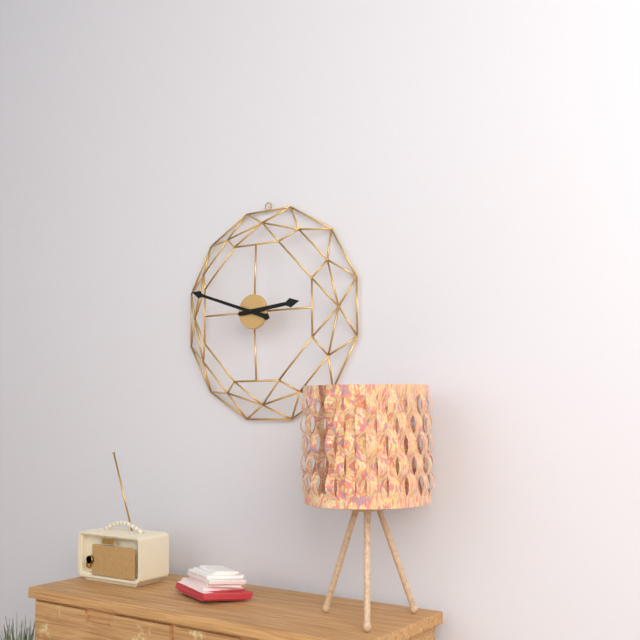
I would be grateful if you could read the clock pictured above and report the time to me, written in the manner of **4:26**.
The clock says **2:48**
